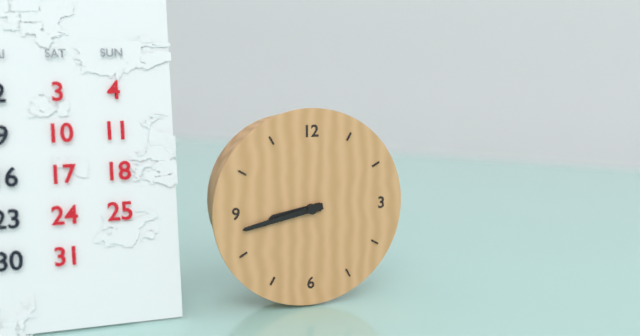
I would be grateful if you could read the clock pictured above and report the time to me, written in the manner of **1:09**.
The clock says **8:43**
